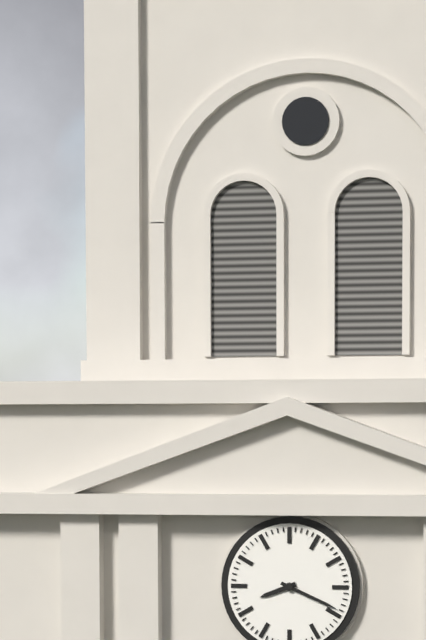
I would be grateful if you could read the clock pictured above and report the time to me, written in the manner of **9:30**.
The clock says **8:19**
